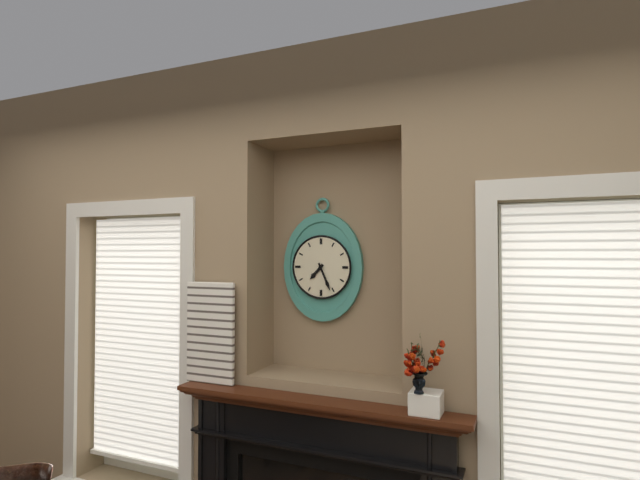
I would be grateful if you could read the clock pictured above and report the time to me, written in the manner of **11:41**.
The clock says **7:26**
